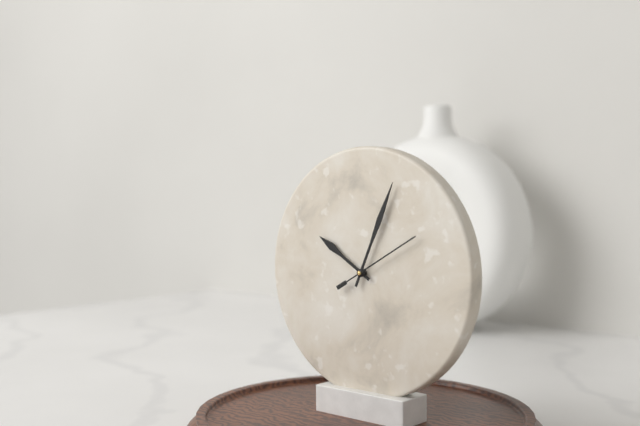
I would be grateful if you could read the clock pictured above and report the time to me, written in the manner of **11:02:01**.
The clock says **10:04:10**
